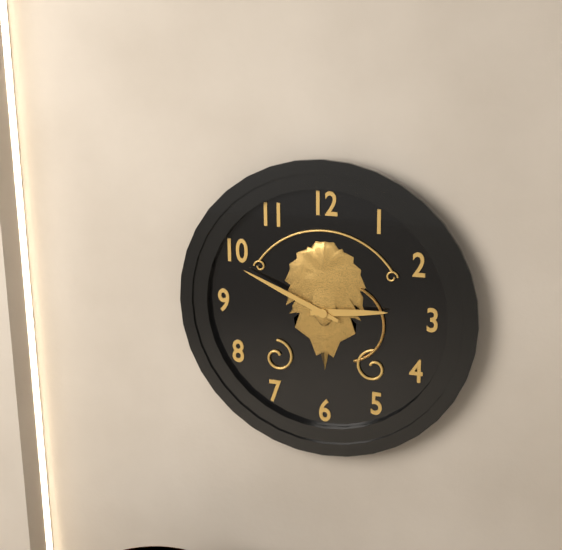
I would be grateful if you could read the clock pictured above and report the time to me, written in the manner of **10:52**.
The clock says **2:49**
